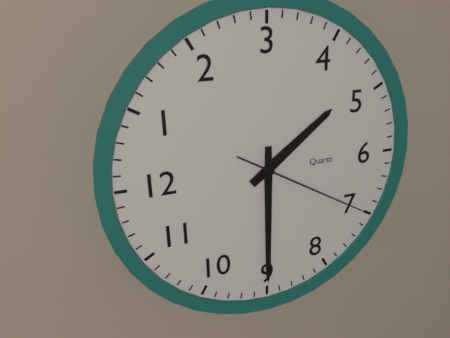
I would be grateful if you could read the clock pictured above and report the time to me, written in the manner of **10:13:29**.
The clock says **4:45:35**
